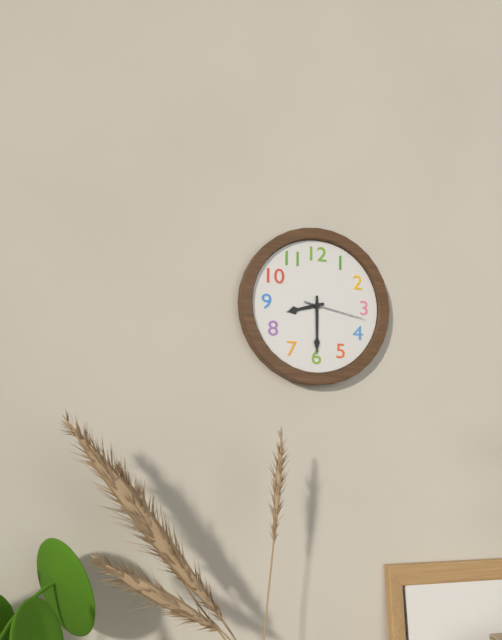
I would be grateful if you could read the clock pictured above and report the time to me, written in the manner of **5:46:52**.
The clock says **8:30:17**
